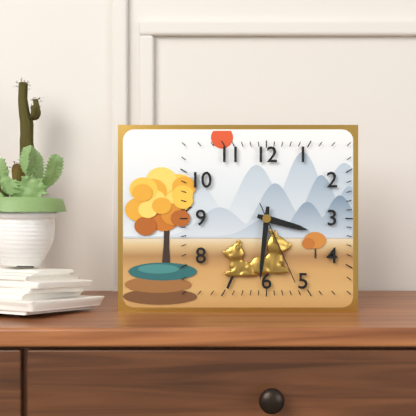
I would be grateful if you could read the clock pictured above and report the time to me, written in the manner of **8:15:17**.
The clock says **3:31:26**
